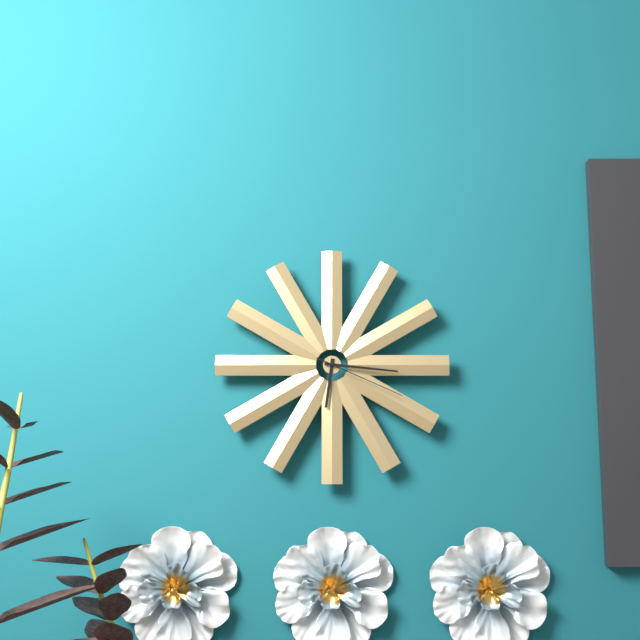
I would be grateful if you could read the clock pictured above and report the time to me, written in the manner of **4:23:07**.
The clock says **6:16:19**
